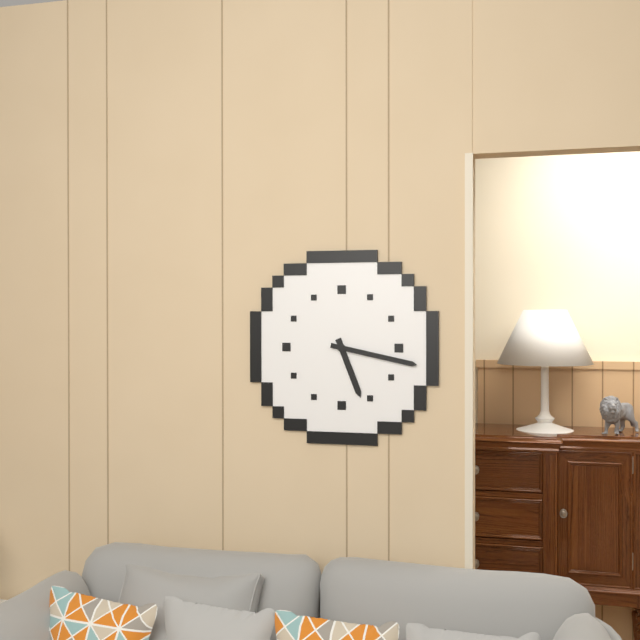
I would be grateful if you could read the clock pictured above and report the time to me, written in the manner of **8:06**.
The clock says **5:17**
